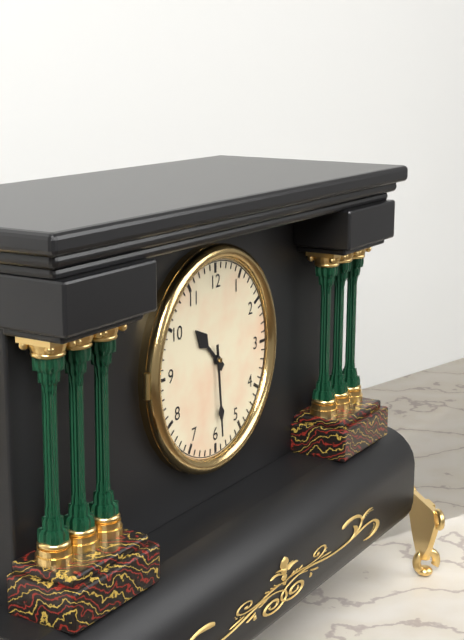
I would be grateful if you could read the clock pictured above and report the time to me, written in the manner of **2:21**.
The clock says **10:29**
